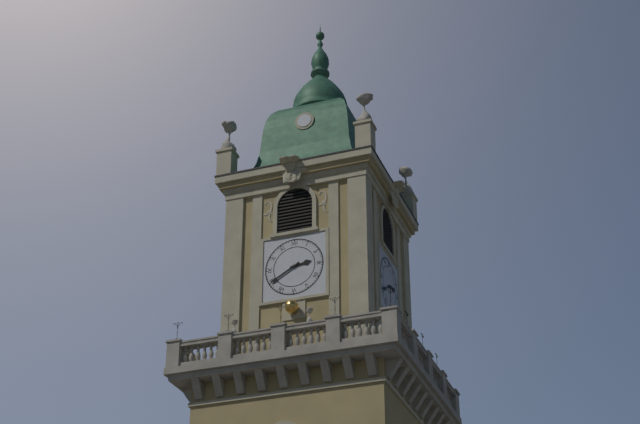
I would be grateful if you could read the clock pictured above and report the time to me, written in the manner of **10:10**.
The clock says **2:40**
